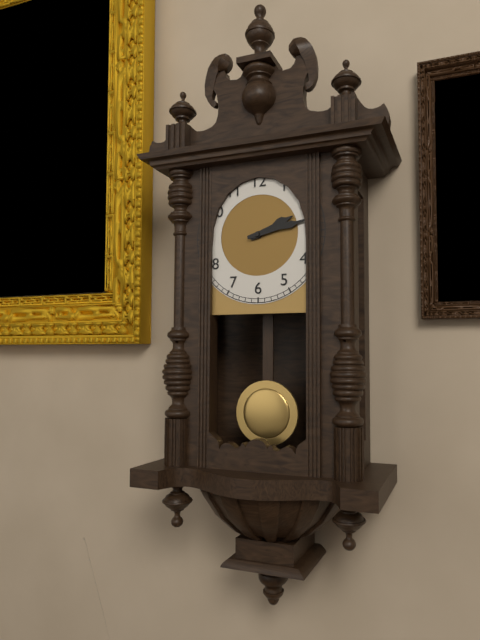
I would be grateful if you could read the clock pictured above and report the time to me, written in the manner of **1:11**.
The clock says **2:13**
